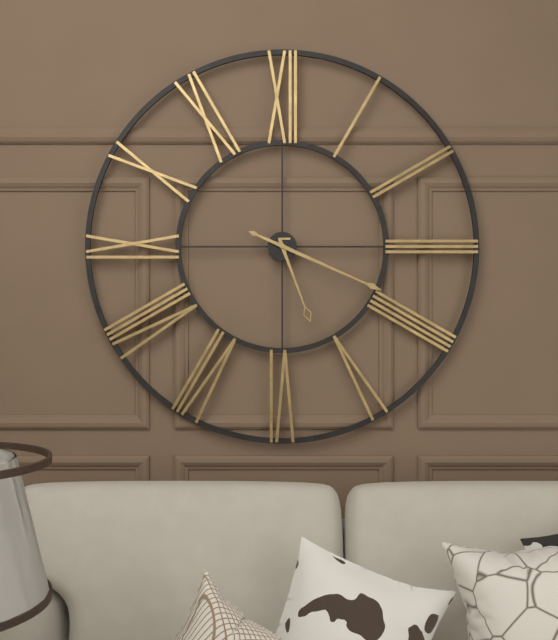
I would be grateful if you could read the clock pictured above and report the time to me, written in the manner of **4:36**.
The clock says **5:19**
